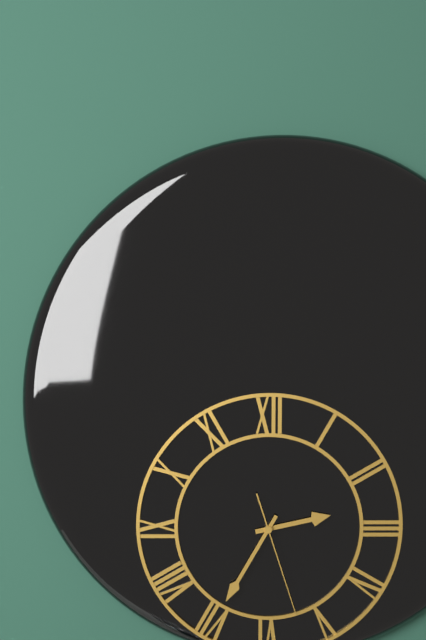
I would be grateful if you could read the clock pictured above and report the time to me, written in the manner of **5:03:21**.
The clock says **2:35:27**
